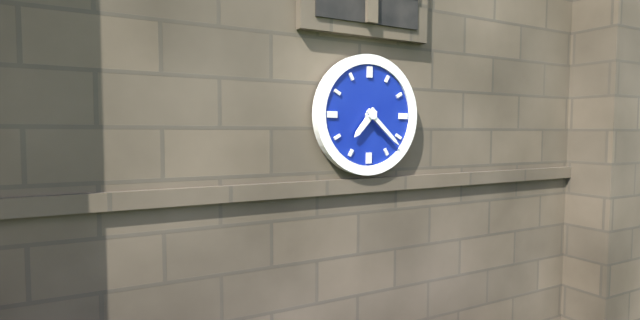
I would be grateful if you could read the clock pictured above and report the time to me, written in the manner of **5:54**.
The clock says **7:22**
